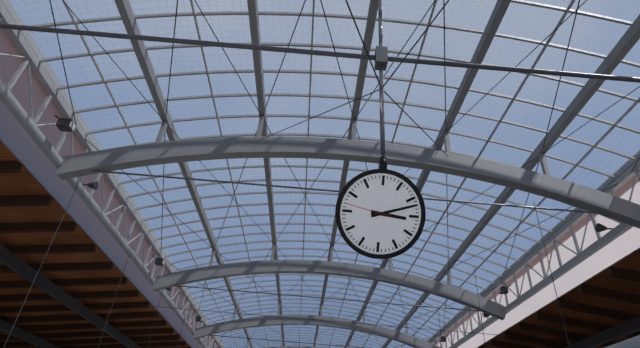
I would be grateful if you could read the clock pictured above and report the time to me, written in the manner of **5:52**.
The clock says **3:12**
